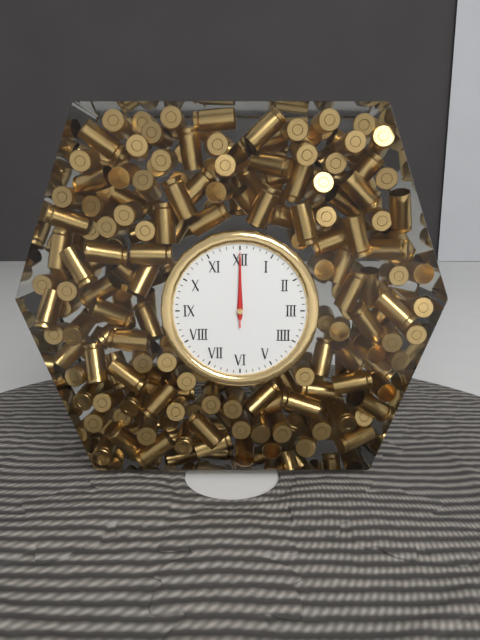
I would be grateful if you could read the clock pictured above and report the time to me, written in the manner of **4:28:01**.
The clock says **12:00:00**
